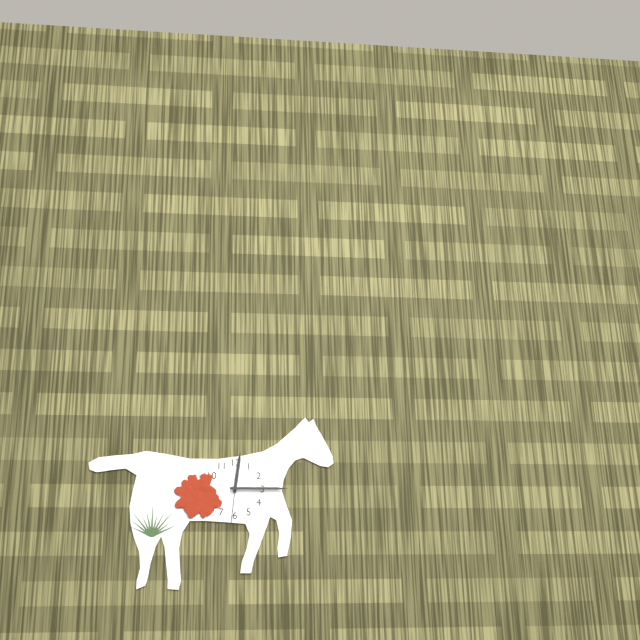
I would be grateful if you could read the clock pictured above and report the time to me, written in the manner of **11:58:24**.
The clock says **12:15:31**
